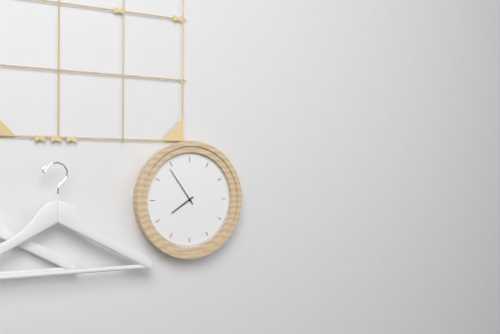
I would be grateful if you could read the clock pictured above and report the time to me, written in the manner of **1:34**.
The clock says **7:54**
